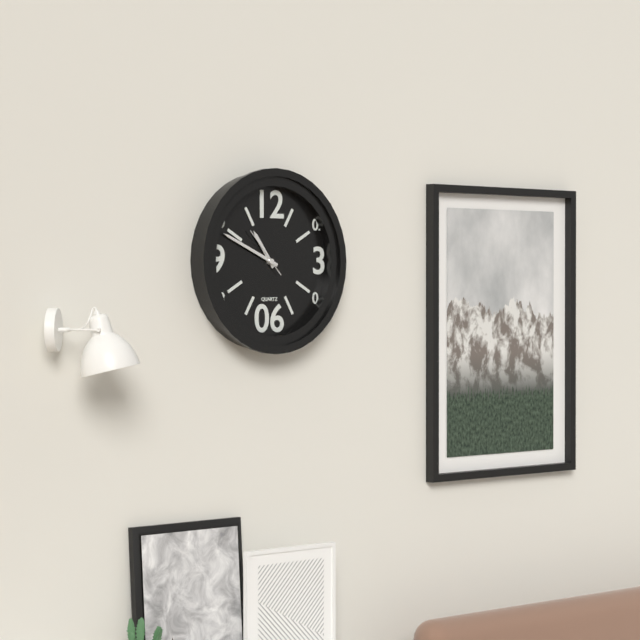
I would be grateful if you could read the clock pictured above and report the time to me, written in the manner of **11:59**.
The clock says **10:49**
